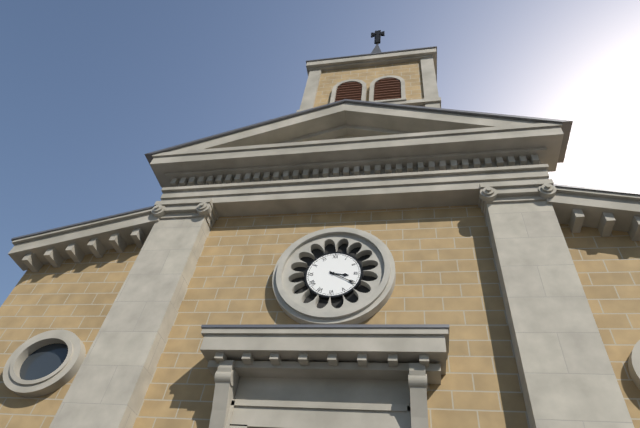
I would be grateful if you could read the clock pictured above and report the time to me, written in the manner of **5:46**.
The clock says **3:20**
